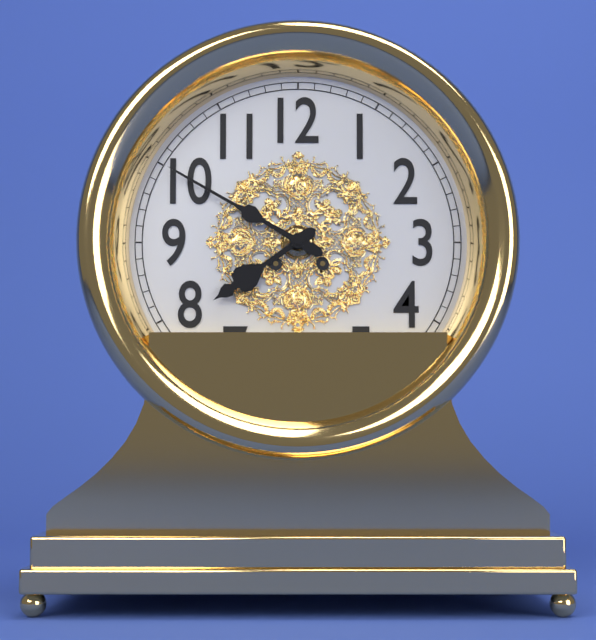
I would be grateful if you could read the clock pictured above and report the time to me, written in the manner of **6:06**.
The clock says **7:50**
